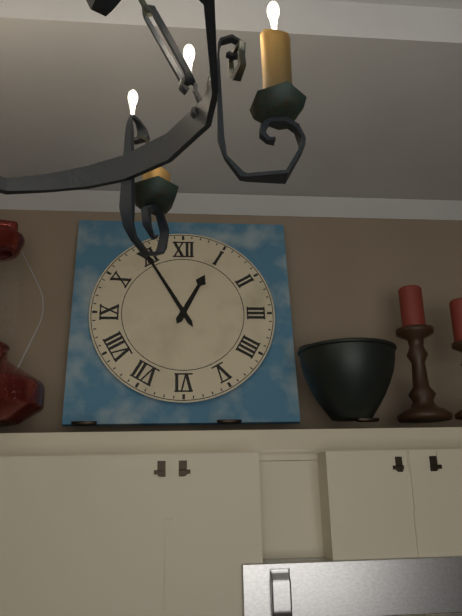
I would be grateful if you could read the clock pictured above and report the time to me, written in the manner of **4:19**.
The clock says **12:55**
